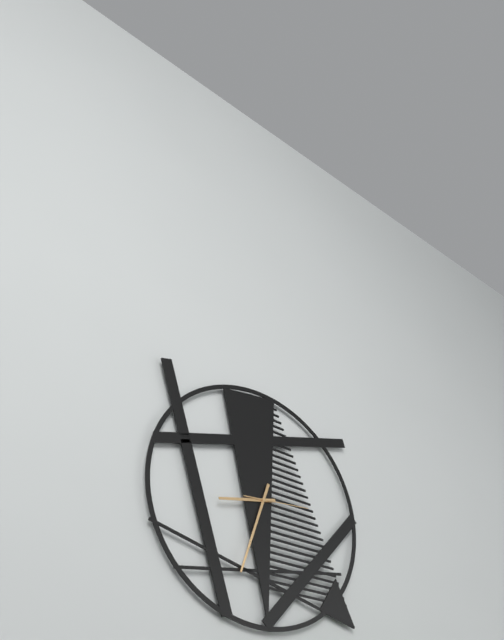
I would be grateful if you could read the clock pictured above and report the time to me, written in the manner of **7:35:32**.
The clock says **8:33:14**
